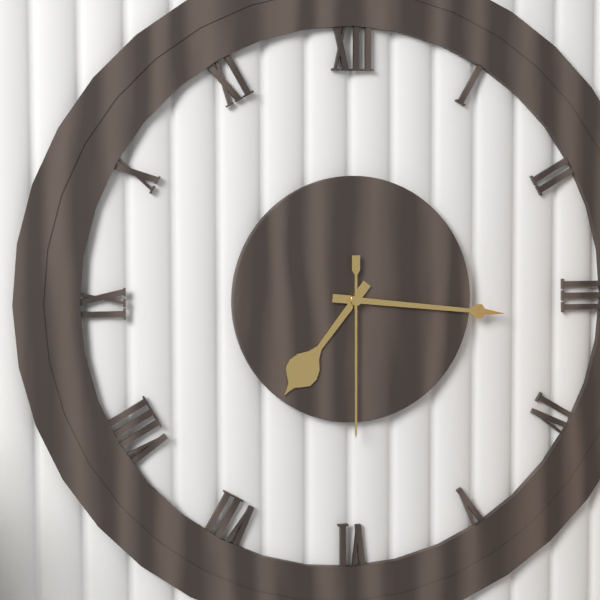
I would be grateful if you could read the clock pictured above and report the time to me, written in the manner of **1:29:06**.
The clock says **7:16:30**
